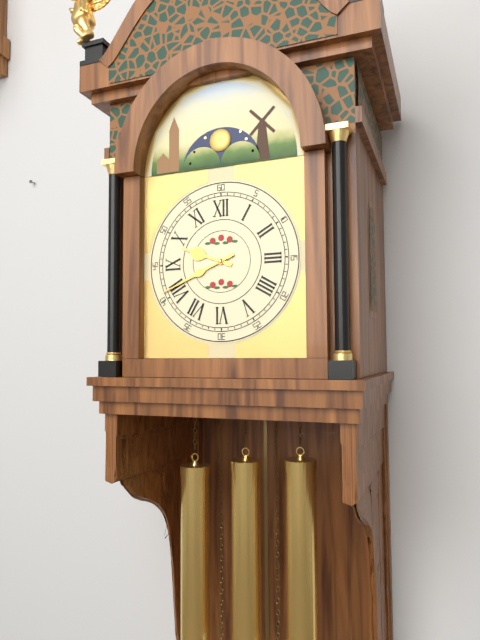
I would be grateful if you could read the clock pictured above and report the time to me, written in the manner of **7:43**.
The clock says **9:41**
